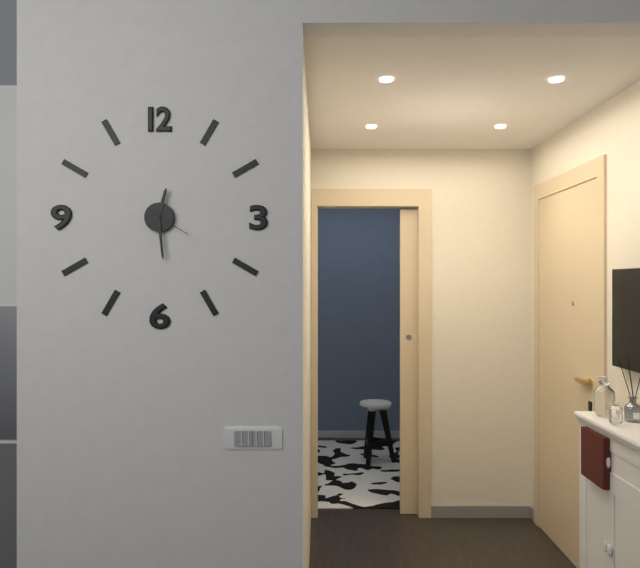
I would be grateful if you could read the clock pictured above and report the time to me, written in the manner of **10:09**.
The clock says **12:29**
